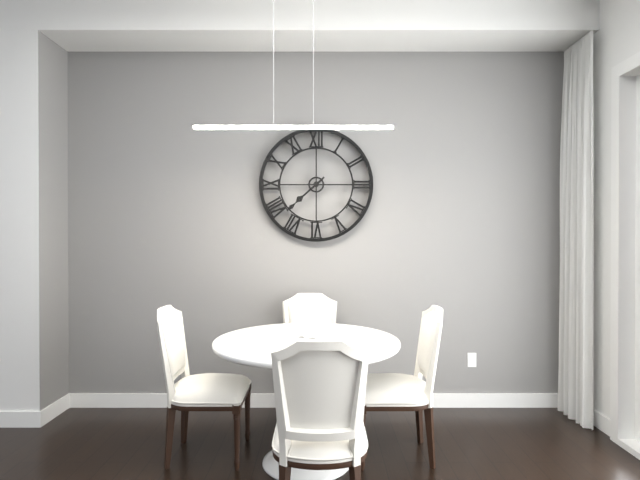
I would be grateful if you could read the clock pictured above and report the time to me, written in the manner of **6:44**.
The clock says **7:38**
